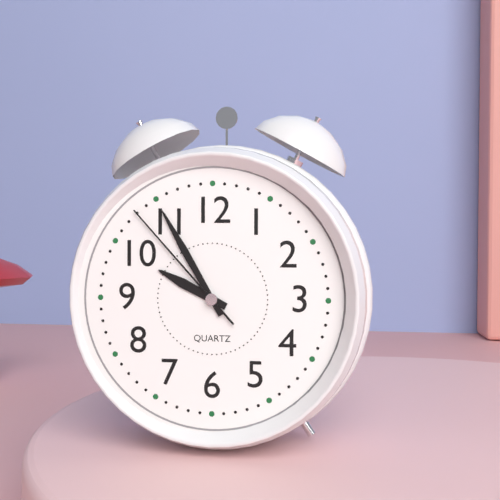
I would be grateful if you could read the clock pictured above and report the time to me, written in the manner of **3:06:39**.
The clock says **9:55:53**
